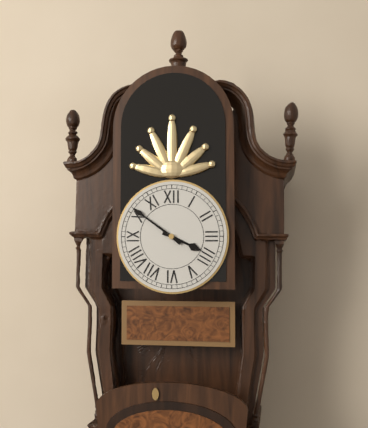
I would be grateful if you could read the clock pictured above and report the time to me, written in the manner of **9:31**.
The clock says **3:51**
